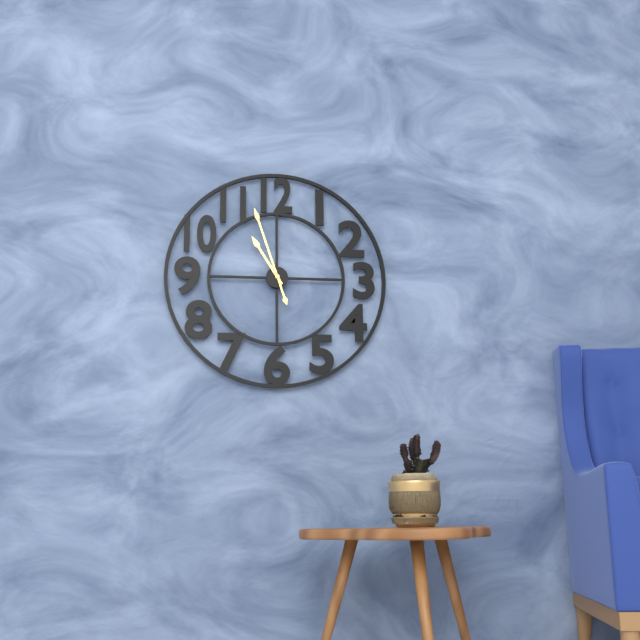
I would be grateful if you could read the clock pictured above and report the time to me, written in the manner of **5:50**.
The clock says **10:57**
